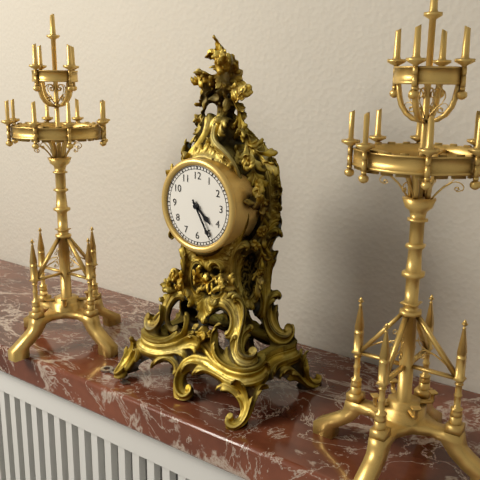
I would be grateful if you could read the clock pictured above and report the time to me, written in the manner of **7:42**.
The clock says **4:25**
